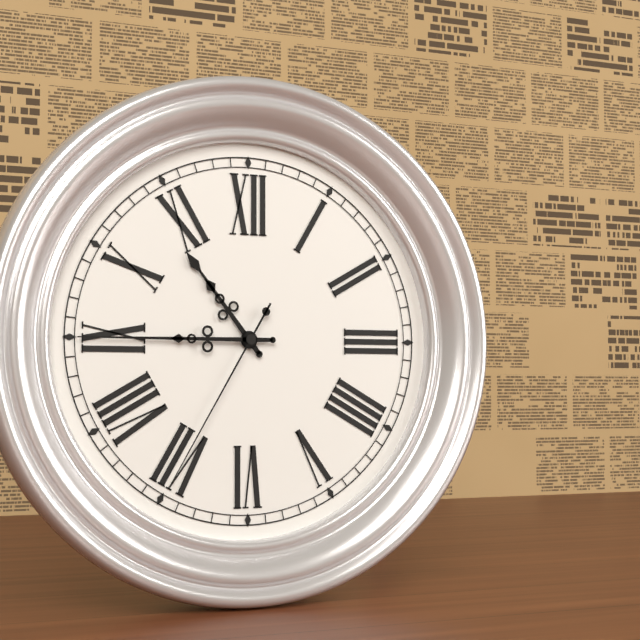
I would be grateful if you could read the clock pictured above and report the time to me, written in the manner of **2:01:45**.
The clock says **10:45:35**
